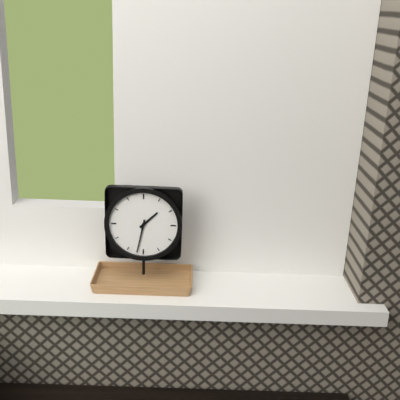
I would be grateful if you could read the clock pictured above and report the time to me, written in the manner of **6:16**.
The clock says **1:32**
